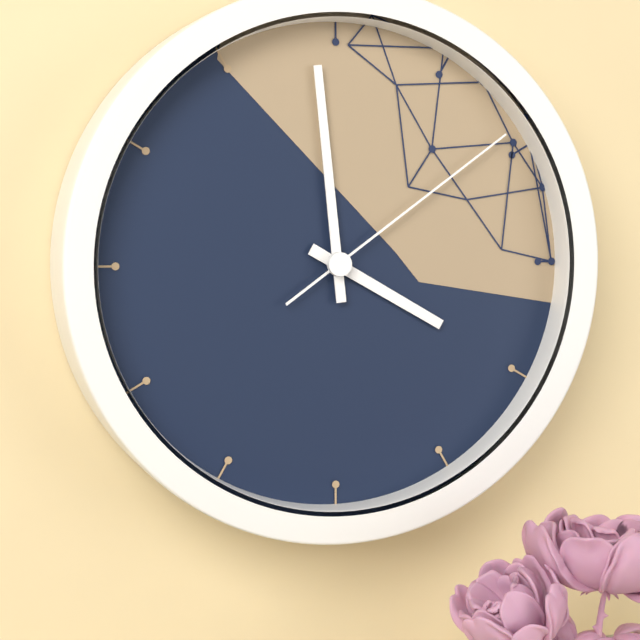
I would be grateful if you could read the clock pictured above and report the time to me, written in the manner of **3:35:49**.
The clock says **3:59:09**
